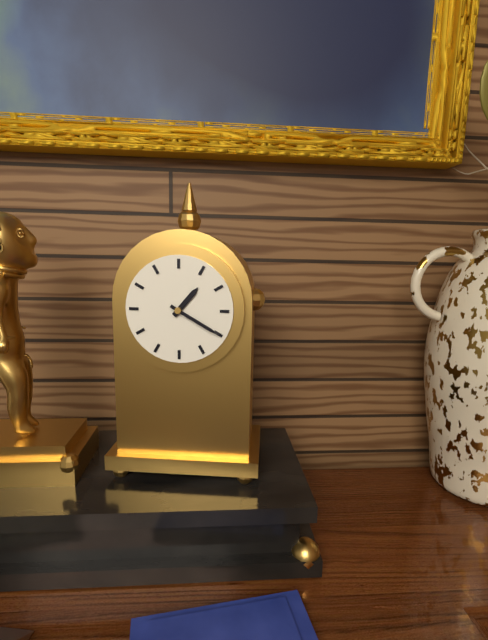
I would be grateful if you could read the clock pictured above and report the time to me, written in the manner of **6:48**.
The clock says **1:20**
